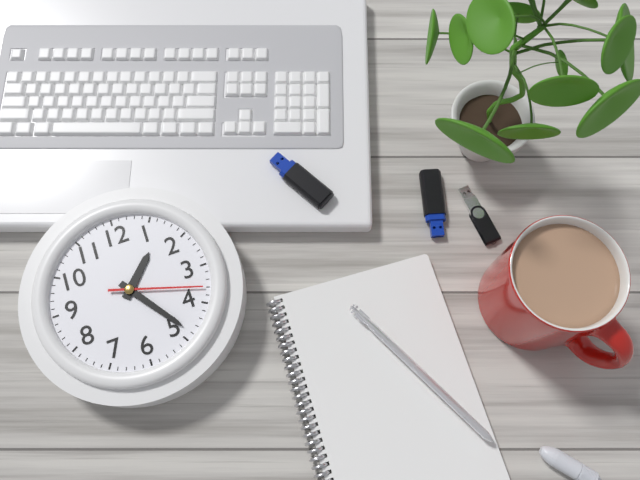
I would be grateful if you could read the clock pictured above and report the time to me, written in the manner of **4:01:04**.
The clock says **1:24:18**
